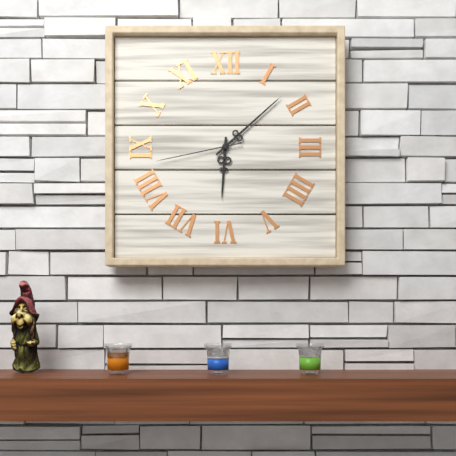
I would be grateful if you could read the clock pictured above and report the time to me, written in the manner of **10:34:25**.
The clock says **6:08:43**
